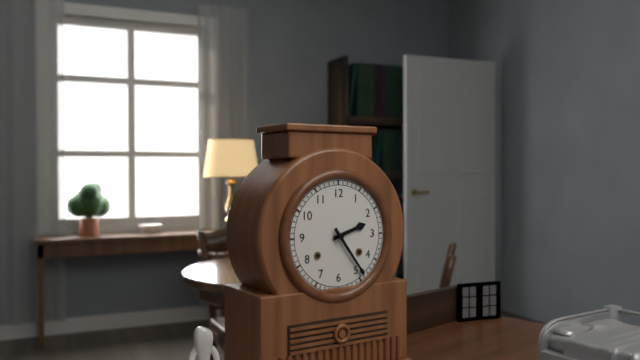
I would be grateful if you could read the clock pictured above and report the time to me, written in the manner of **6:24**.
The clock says **2:24**
